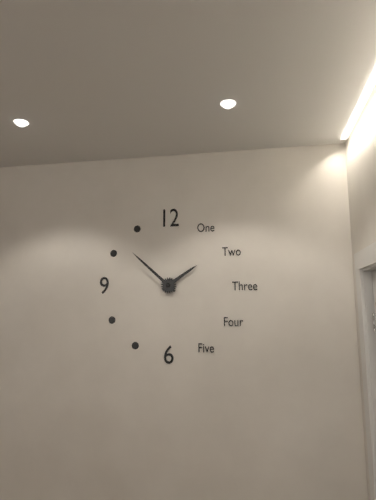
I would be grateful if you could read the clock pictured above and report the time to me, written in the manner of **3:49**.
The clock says **1:52**
